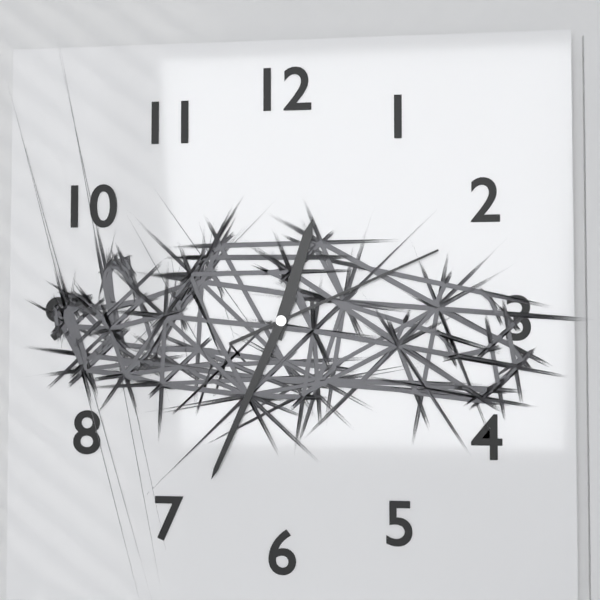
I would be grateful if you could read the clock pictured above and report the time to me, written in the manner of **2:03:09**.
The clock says **12:34:11**
